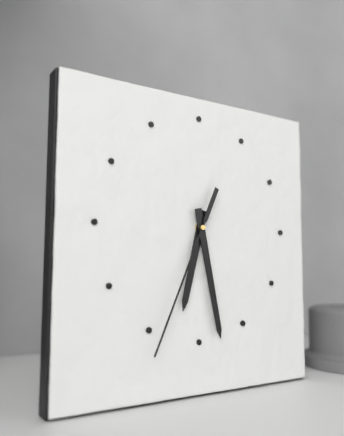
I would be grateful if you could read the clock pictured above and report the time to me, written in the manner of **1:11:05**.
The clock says **6:28:34**
